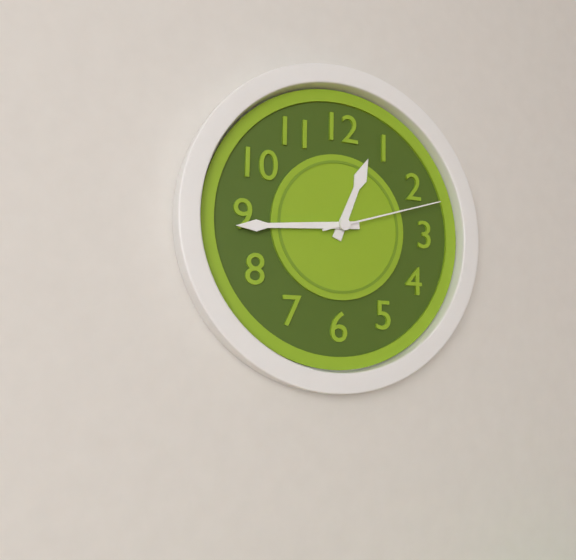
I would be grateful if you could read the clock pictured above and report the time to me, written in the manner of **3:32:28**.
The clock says **12:44:12**
